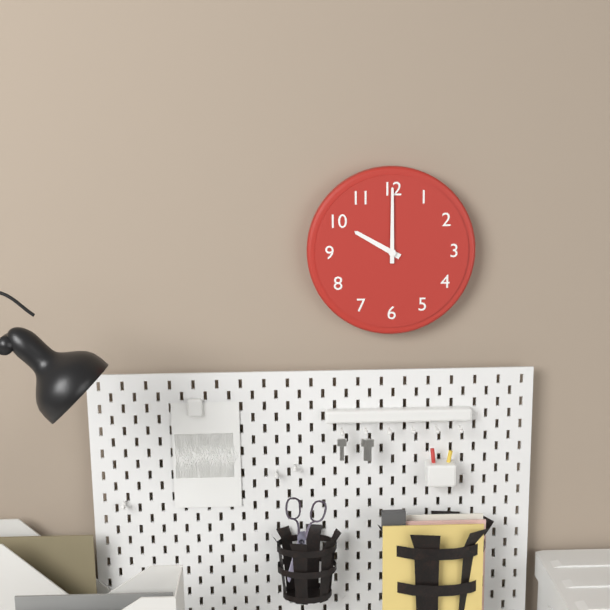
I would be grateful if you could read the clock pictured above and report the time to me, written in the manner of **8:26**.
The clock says **10:00**
